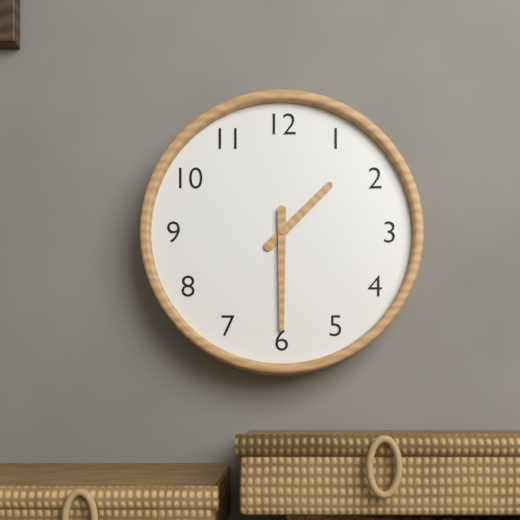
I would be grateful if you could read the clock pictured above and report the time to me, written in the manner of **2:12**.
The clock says **1:30**
